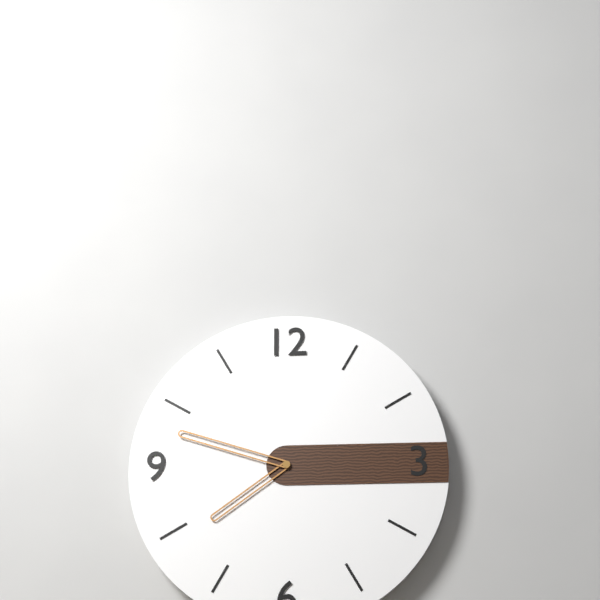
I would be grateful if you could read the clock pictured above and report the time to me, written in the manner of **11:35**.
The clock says **7:48**
